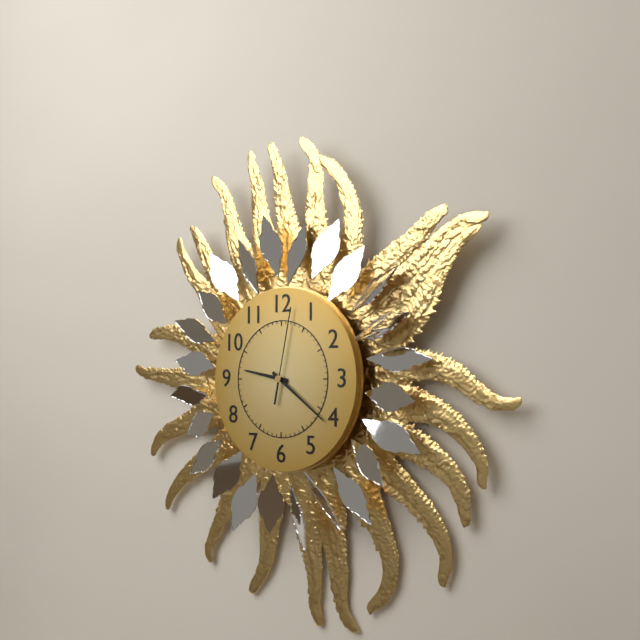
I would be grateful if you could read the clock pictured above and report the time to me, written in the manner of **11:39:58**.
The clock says **9:21:02**
